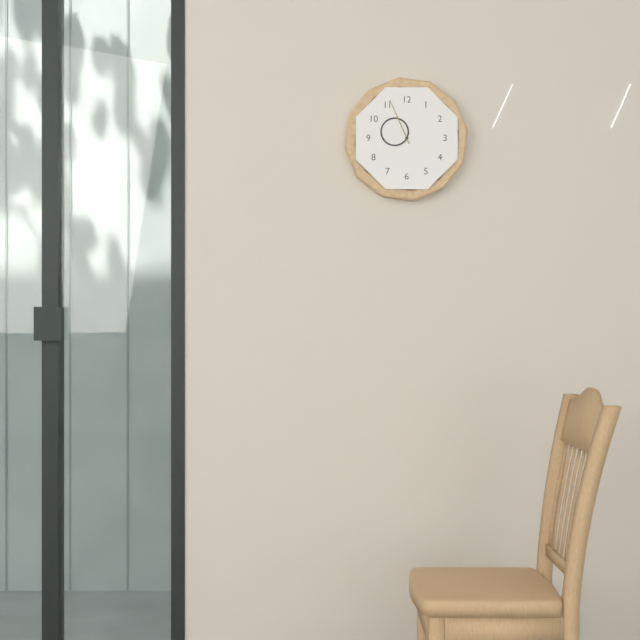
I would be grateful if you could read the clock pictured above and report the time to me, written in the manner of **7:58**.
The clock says **9:56**
